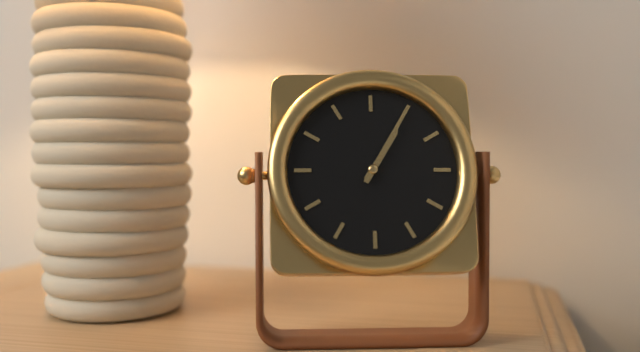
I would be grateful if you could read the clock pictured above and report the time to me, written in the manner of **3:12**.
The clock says **1:05**
